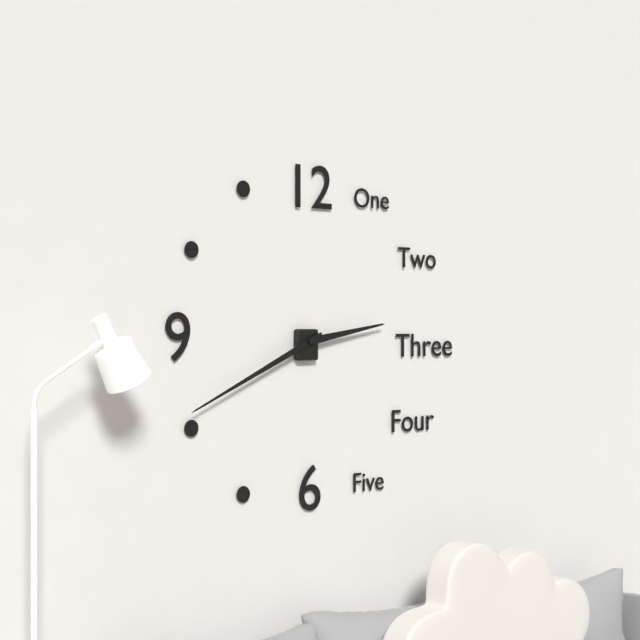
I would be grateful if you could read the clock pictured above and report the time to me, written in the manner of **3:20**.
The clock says **2:41**
